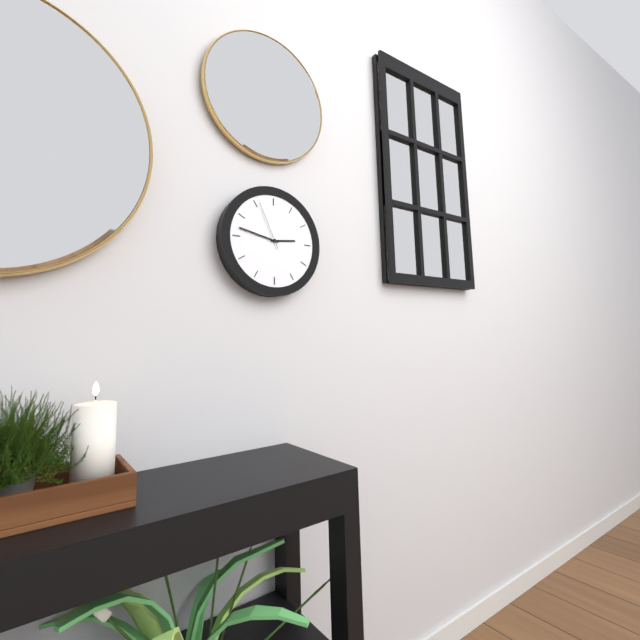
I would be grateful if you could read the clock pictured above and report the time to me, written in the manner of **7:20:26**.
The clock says **2:47:56**
